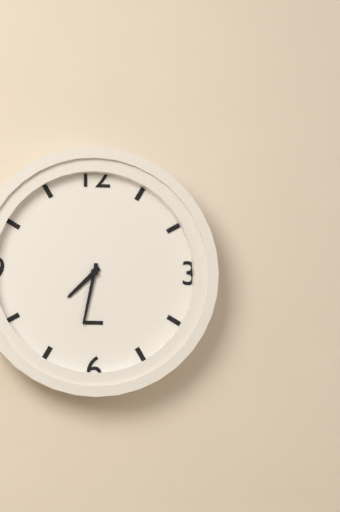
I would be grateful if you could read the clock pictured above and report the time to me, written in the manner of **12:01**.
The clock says **7:32**
